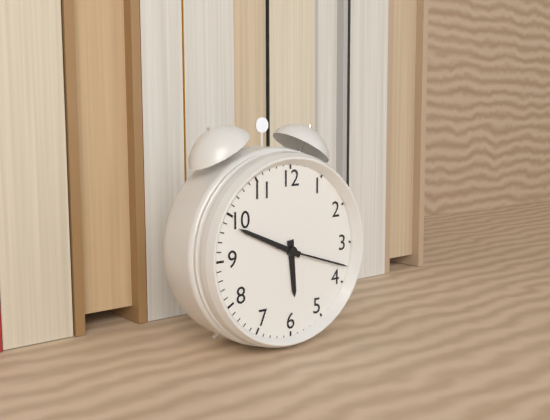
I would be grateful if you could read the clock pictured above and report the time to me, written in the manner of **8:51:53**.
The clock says **5:49:18**
